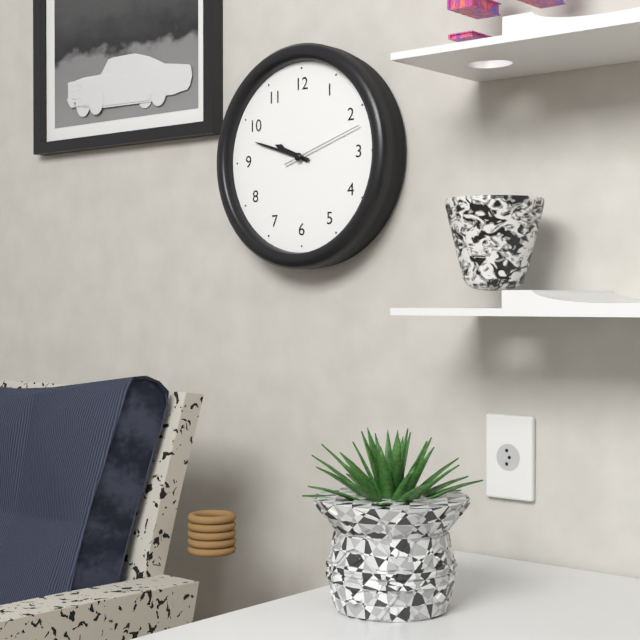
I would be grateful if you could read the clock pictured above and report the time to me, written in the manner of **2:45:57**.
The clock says **9:48:12**
